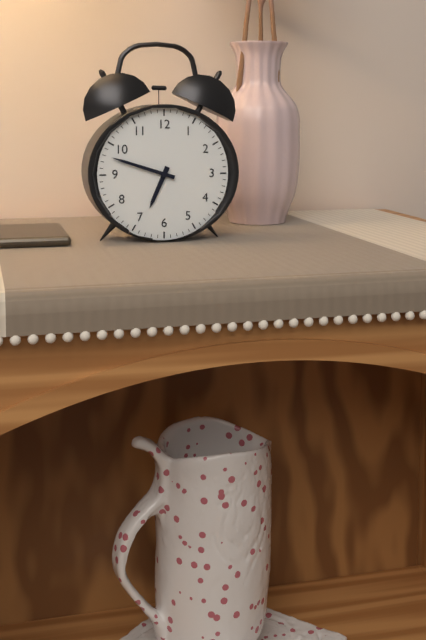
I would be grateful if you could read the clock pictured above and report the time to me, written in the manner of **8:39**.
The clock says **6:48**
